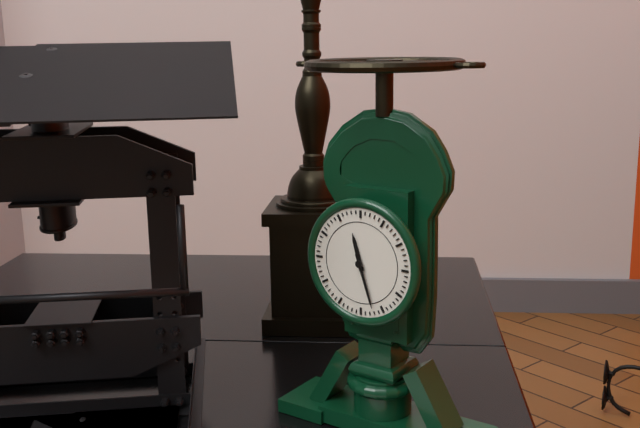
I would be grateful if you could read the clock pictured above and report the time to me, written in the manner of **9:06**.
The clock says **11:27**
